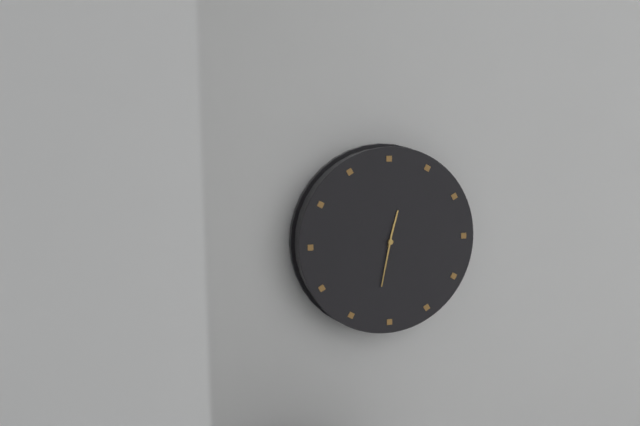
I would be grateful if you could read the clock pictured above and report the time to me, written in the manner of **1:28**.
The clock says **12:32**
